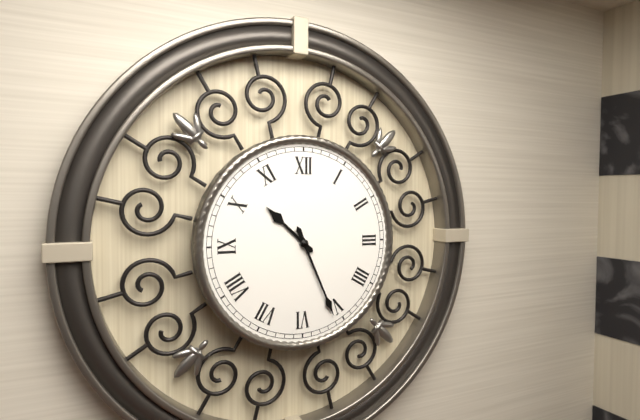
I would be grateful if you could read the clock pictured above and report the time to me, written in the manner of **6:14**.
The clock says **10:26**
